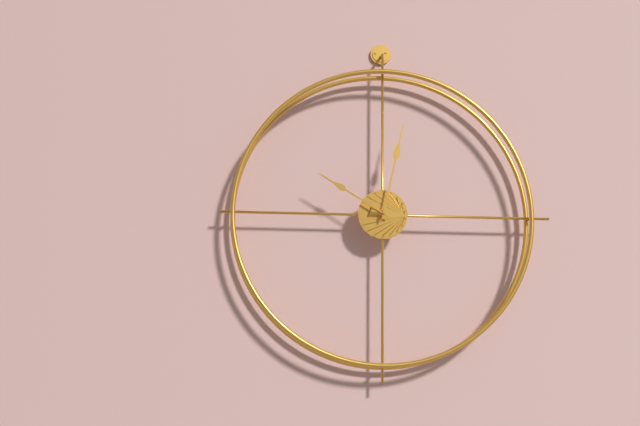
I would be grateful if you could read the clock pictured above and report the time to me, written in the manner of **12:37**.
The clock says **10:02**
